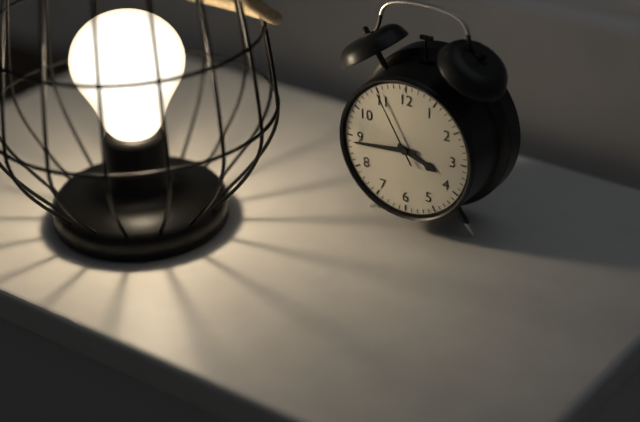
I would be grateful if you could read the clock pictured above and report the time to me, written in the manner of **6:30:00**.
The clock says **3:44:55**
